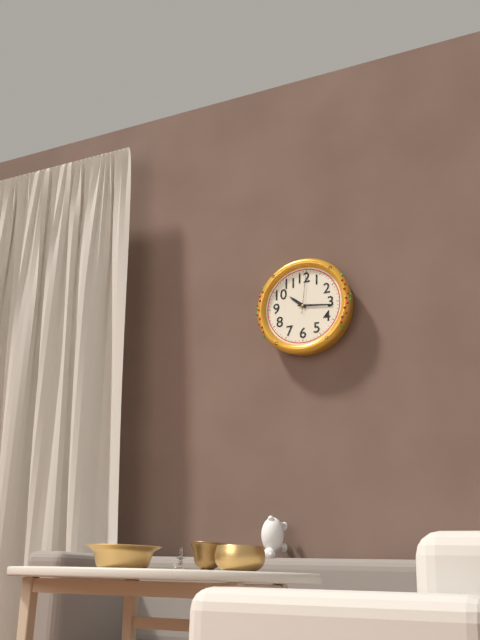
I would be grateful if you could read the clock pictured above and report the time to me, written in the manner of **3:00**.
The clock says **10:16**
